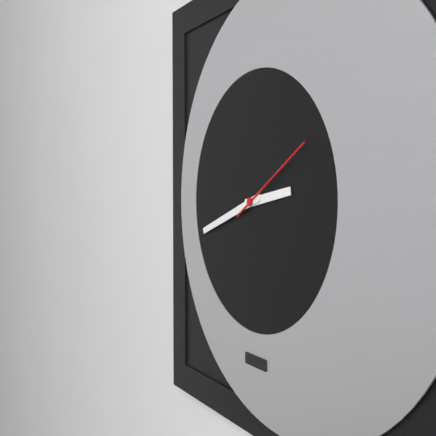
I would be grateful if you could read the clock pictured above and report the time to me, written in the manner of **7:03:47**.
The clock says **2:42:10**
